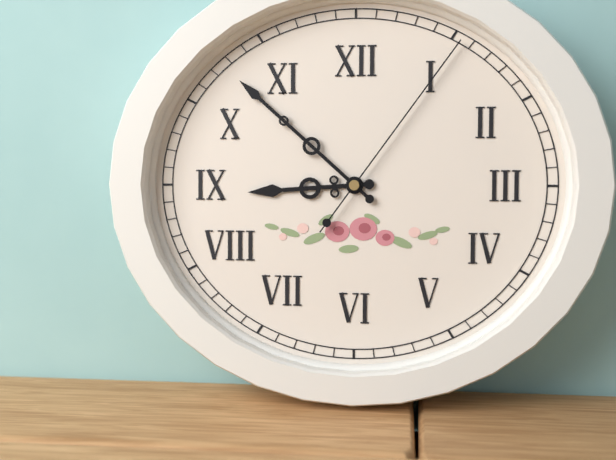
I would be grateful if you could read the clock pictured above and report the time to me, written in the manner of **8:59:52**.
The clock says **8:52:06**
